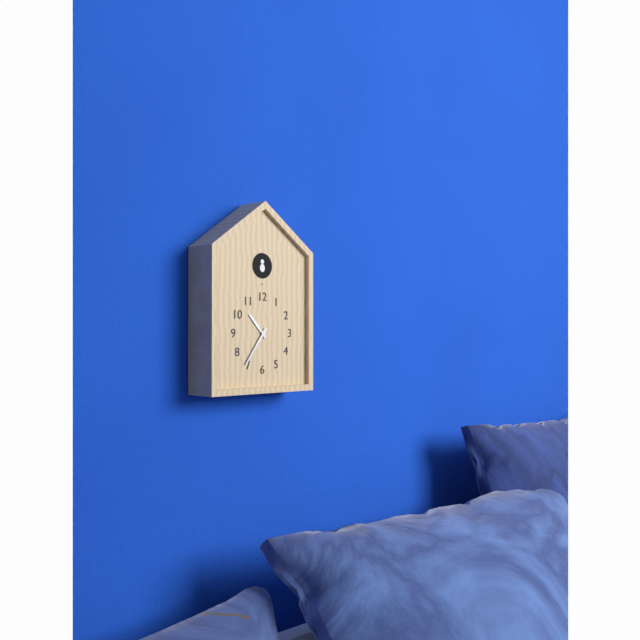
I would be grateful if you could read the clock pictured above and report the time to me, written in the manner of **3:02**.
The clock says **10:36**
